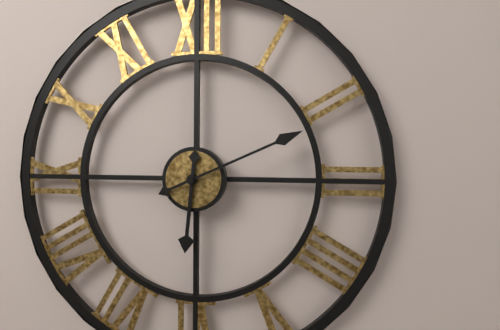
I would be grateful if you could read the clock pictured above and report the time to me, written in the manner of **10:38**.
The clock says **6:11**
